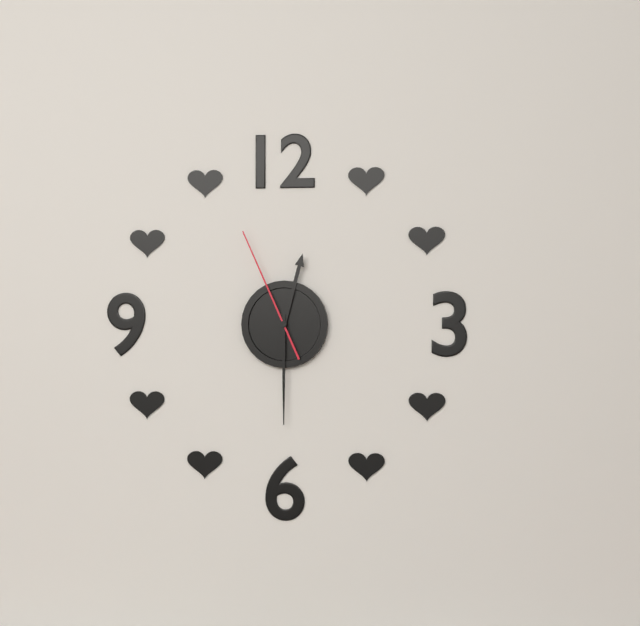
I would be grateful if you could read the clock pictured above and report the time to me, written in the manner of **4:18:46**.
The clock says **12:30:56**
